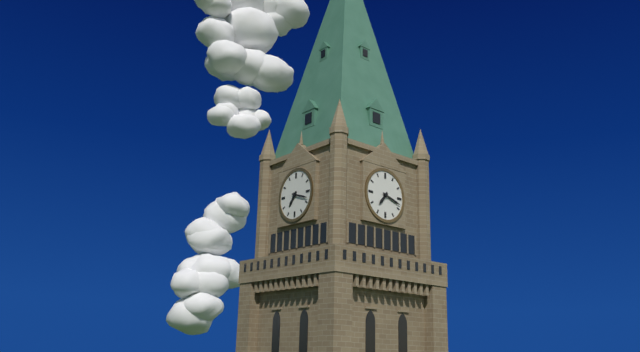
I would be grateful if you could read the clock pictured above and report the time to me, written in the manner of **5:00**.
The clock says **7:18**
